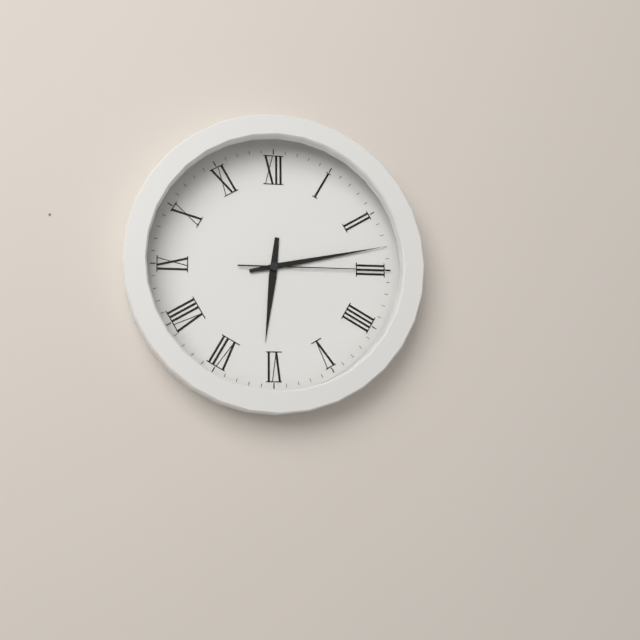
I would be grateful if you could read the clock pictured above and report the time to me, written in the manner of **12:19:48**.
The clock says **6:13:15**
